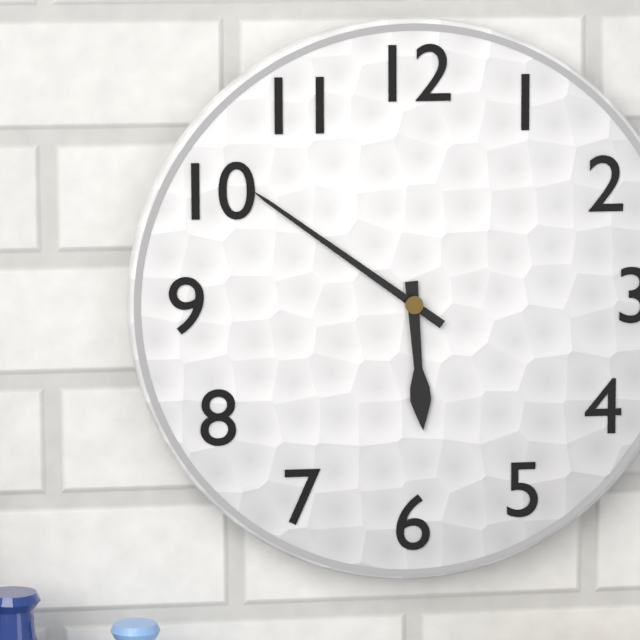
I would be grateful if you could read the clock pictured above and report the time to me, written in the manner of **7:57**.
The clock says **5:51**
